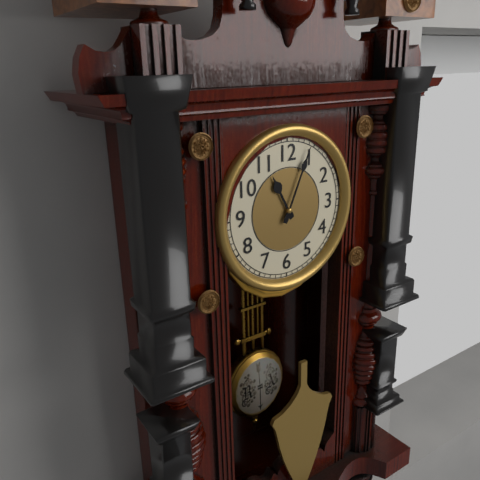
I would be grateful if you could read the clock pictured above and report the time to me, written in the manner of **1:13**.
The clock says **11:04**
